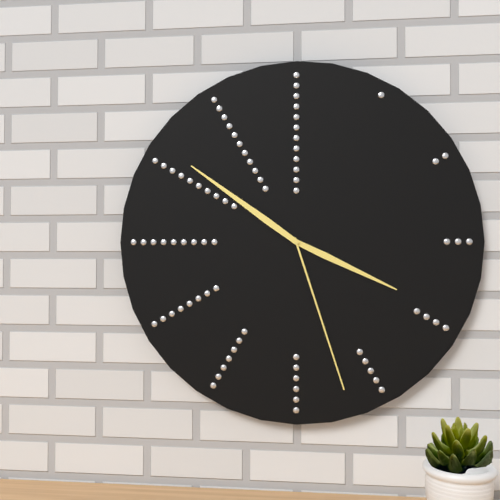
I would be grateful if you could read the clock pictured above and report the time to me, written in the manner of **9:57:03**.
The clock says **3:51:27**
